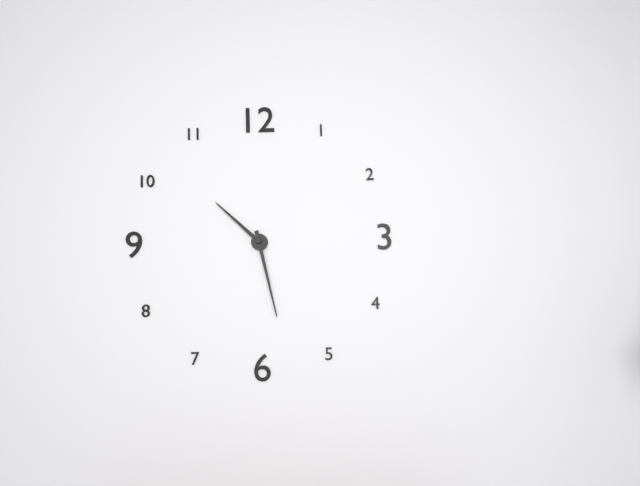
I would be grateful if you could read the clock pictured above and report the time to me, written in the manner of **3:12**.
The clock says **10:28**
